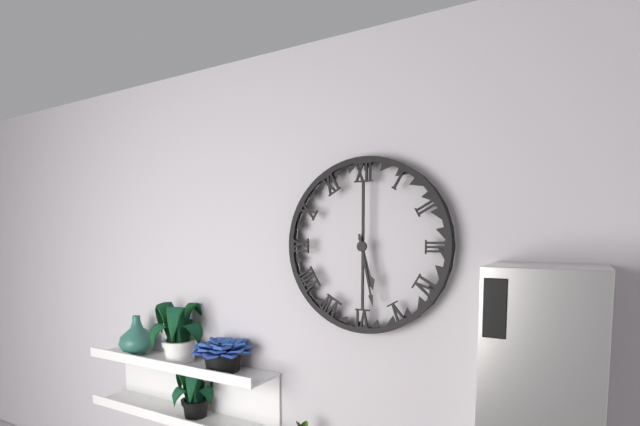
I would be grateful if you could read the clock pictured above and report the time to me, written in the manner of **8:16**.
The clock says **5:28**
